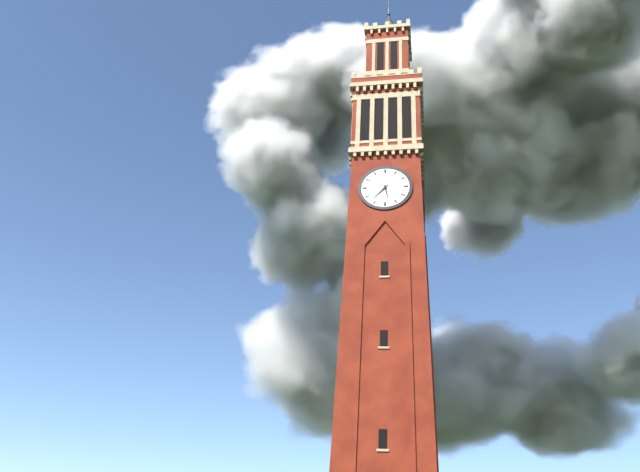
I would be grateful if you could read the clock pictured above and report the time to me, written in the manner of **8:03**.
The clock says **5:37**
